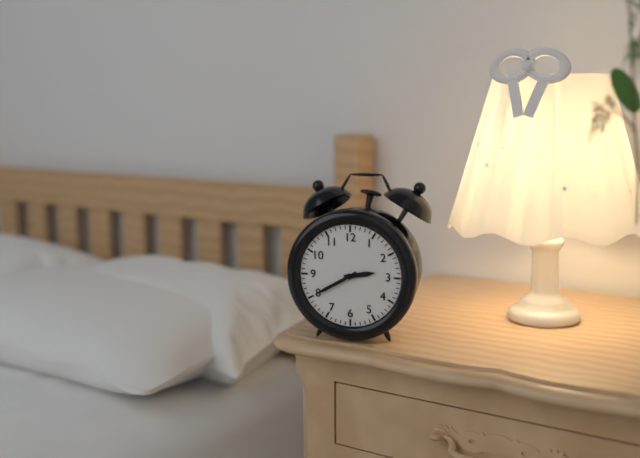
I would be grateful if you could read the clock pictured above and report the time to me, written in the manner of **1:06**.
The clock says **2:40**
